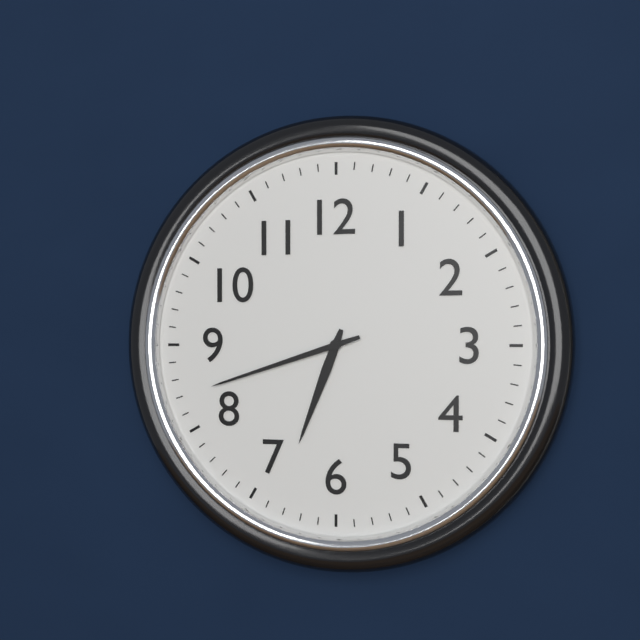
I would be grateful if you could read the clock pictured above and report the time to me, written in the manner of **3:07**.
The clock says **6:42**
